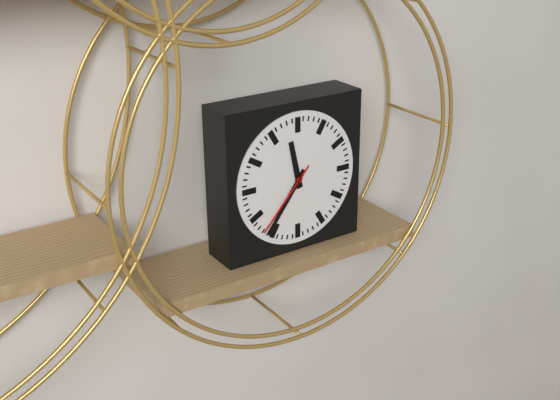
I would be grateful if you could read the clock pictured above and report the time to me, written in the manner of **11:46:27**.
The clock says **11:36:37**
